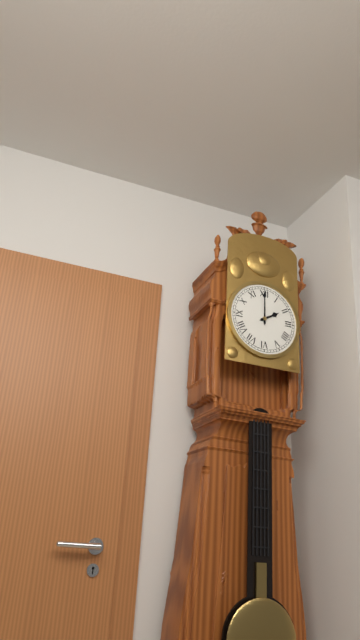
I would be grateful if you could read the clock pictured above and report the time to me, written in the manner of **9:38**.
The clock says **2:00**
